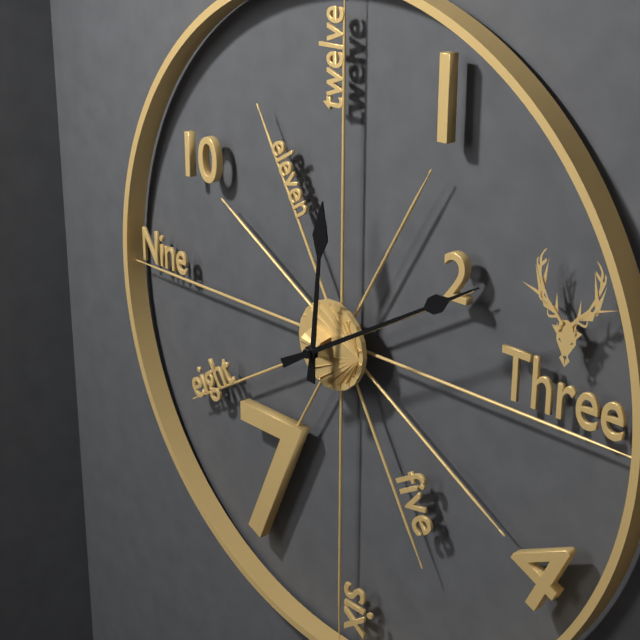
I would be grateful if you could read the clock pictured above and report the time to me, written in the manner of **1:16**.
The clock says **12:10**
